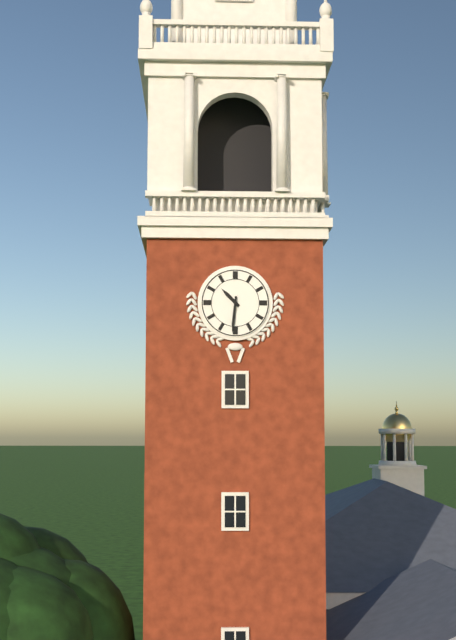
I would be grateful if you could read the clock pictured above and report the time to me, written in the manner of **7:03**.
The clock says **10:31**
